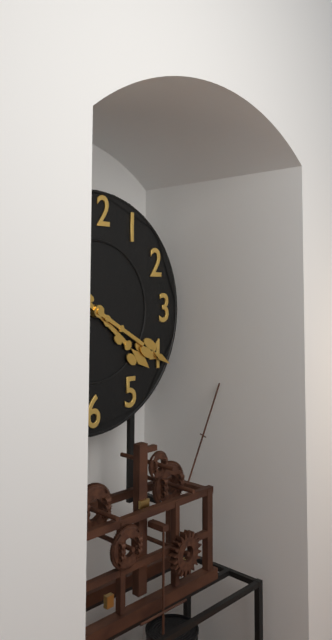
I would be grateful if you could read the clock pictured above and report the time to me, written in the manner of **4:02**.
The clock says **4:20**
